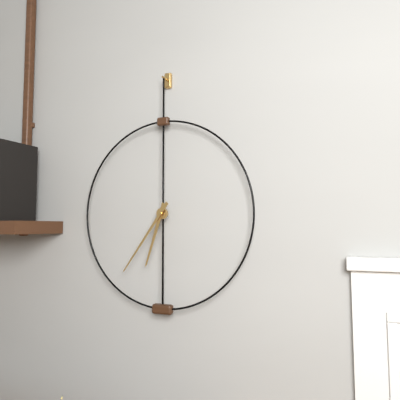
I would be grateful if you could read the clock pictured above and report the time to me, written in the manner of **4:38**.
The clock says **6:36**
